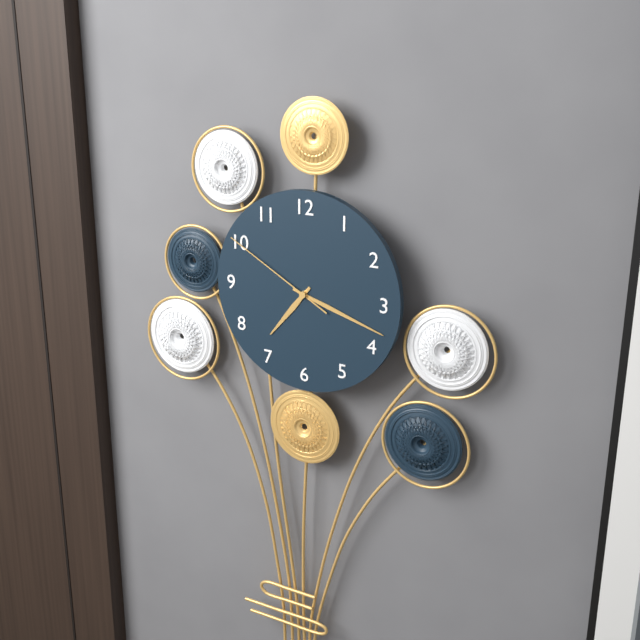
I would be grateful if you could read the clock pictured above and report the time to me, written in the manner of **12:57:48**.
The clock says **7:18:50**
